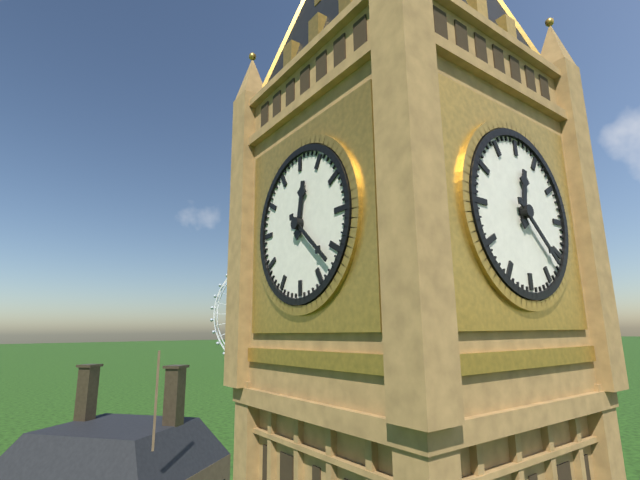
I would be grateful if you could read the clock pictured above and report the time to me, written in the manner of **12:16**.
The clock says **12:22**
